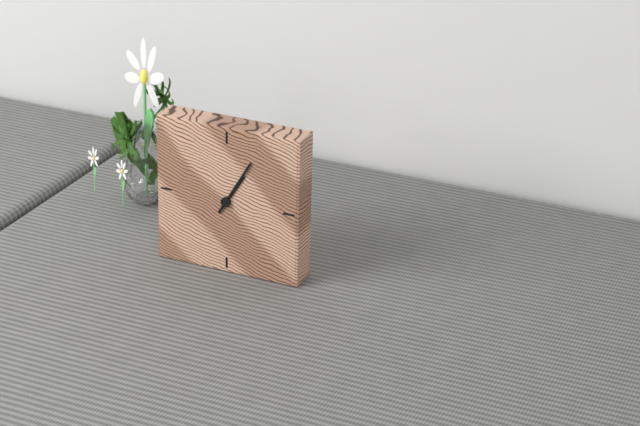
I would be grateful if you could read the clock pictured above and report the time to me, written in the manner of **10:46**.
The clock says **1:05**
